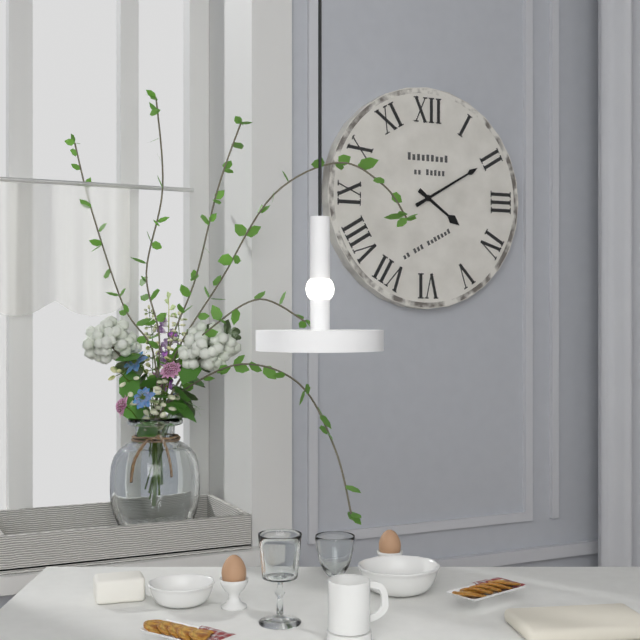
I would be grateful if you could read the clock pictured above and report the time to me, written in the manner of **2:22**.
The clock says **4:10**
